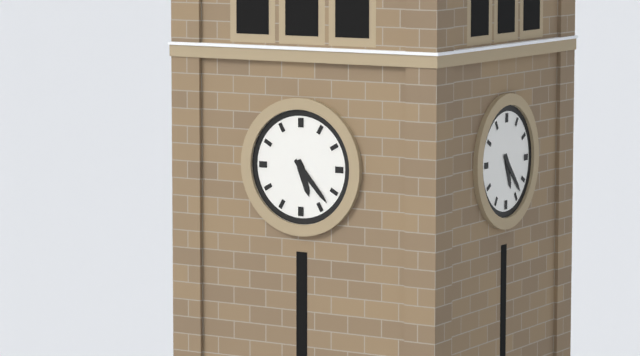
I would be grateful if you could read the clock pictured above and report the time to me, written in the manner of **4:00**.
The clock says **5:23**
